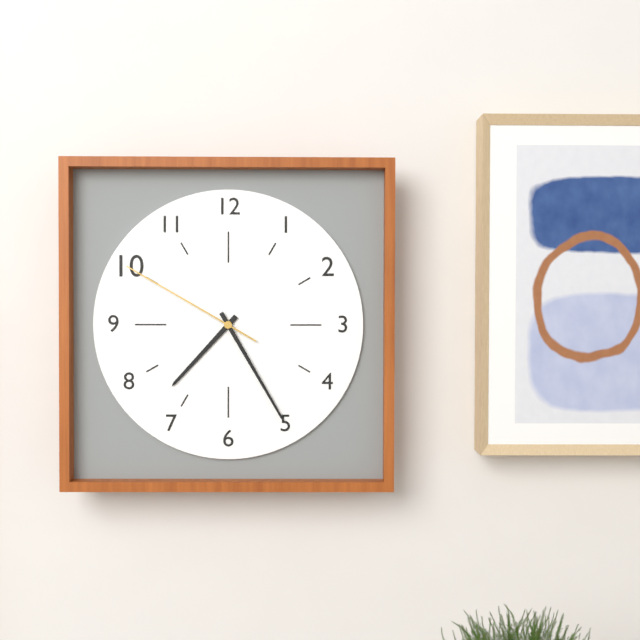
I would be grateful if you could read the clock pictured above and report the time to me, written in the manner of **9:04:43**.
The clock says **7:25:50**
